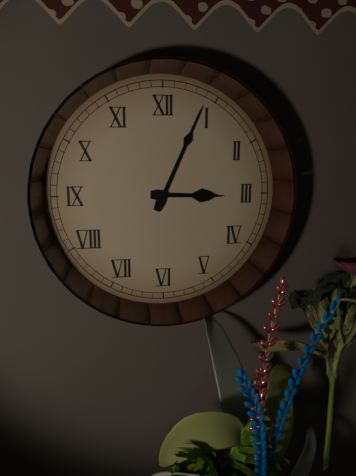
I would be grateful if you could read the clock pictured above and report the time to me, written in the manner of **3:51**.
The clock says **3:04**
